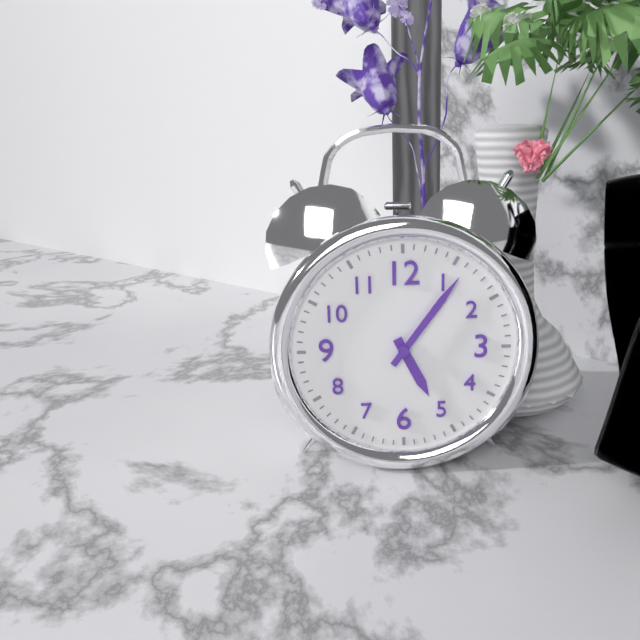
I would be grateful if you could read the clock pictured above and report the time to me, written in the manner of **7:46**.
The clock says **5:06**
